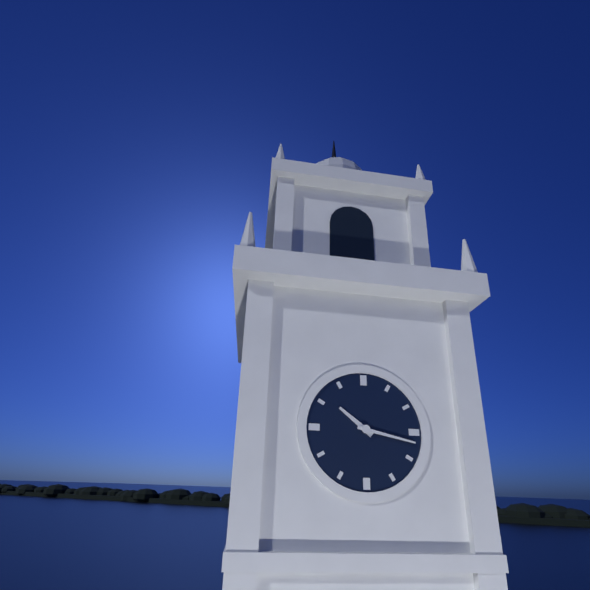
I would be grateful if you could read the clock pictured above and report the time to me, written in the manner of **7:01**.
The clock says **10:17**
